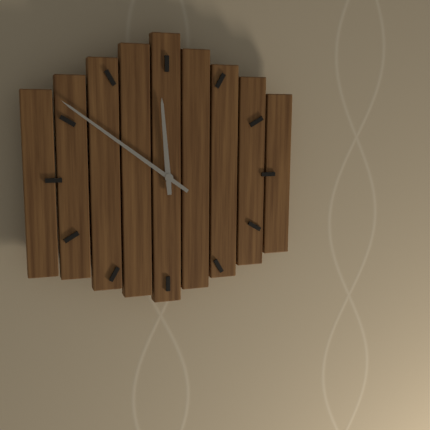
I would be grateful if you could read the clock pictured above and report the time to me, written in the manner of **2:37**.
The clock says **11:51**
